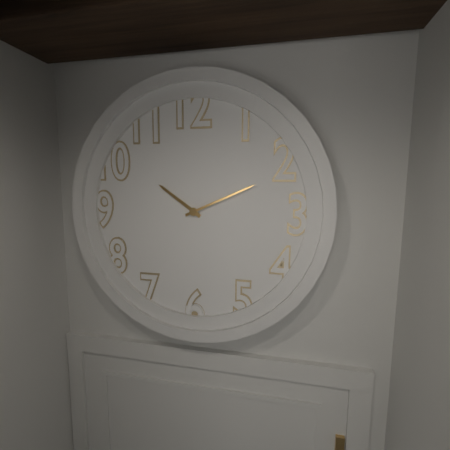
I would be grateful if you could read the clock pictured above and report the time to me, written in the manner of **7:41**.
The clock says **10:11**
